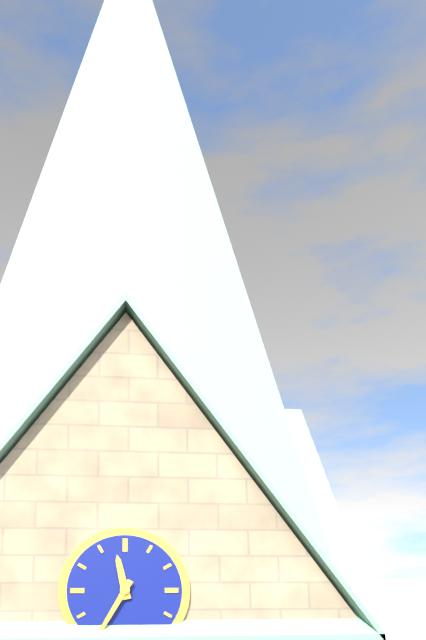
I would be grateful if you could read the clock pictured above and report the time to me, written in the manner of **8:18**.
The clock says **11:35**
